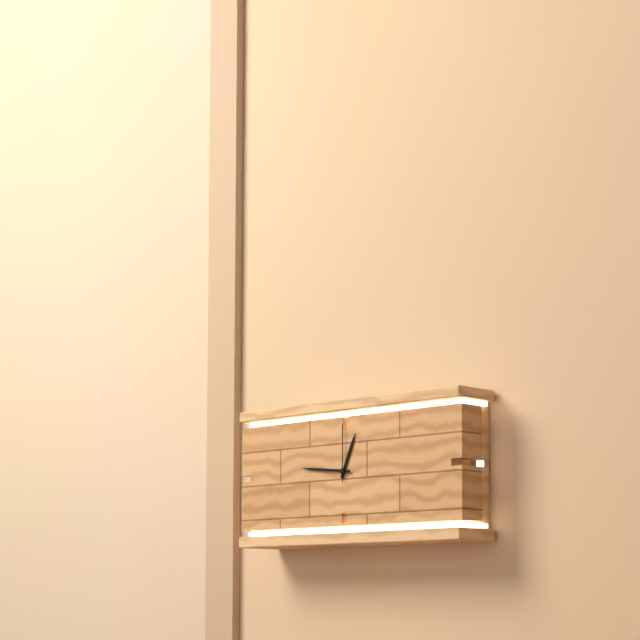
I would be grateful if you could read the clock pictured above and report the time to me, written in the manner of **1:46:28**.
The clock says **12:46:00**
